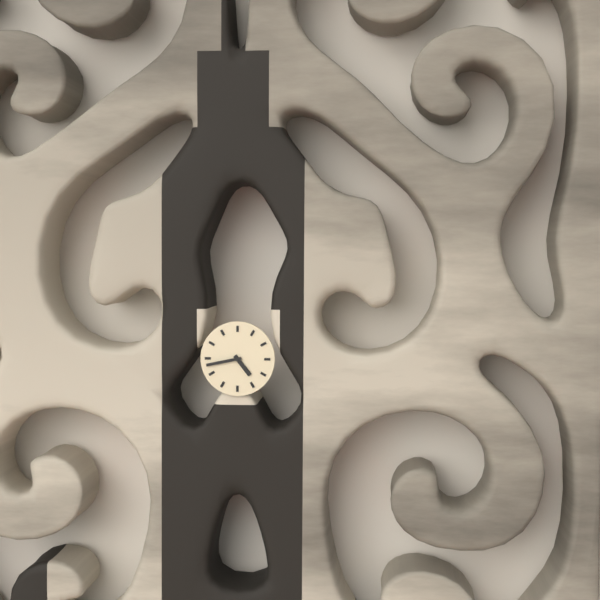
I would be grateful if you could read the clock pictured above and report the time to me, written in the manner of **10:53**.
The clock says **4:43**
